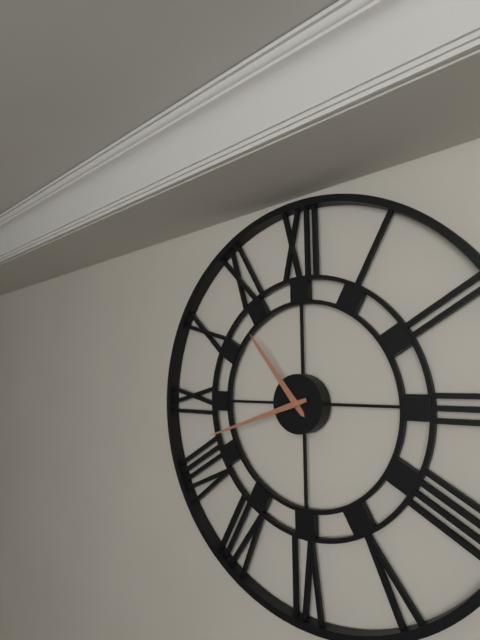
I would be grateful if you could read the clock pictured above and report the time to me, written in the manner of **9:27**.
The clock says **10:42**
